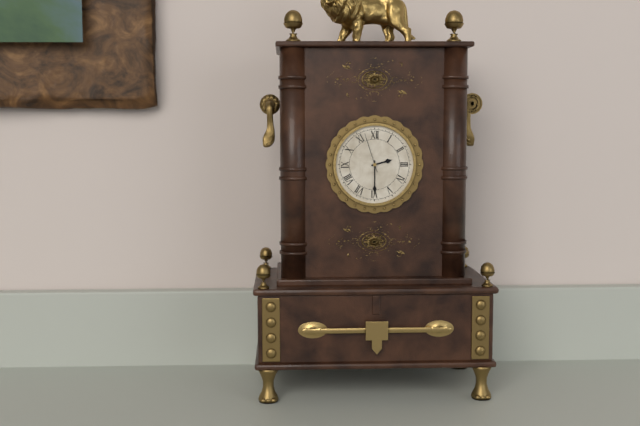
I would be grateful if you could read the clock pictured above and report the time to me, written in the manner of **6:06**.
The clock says **2:30**
